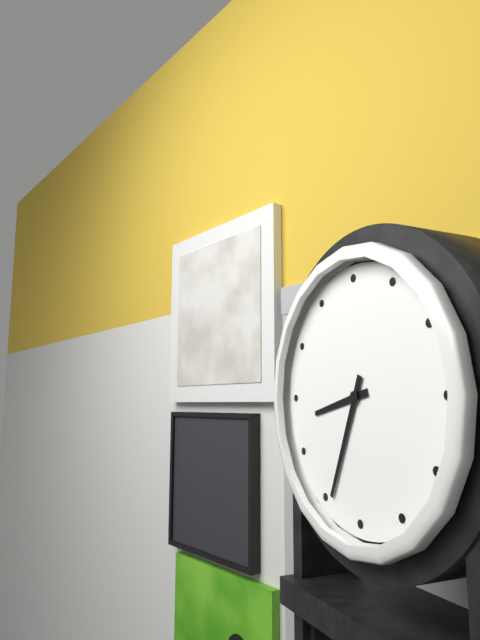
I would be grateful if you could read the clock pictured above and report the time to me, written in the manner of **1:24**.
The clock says **8:34**
